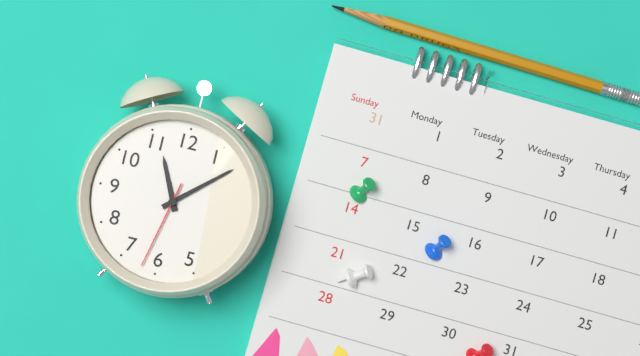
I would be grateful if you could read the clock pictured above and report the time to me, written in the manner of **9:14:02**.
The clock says **11:08:32**
